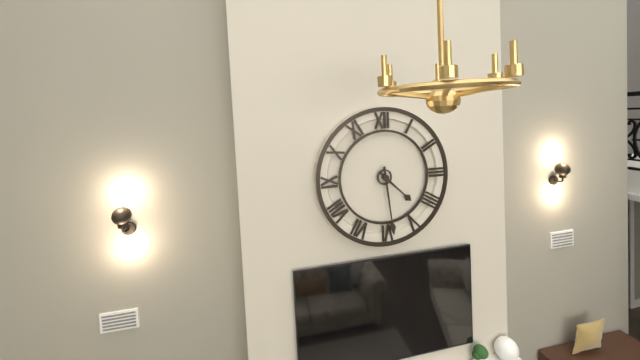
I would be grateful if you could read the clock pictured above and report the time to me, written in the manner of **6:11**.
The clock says **4:29**
